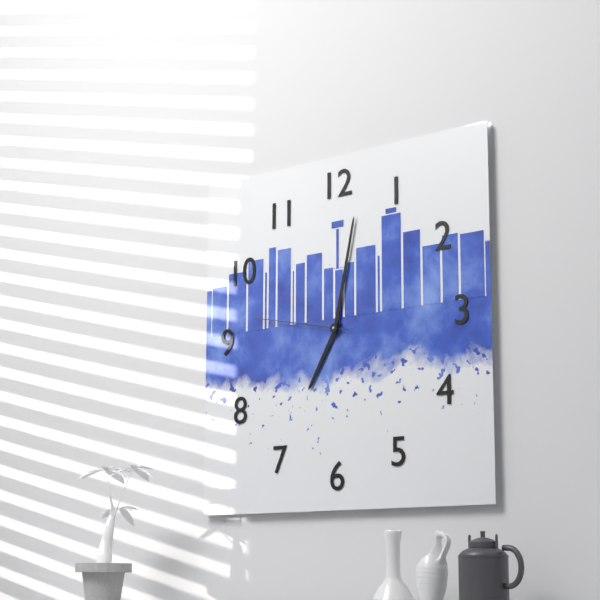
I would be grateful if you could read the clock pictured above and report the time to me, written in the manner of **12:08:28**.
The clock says **7:02:47**
